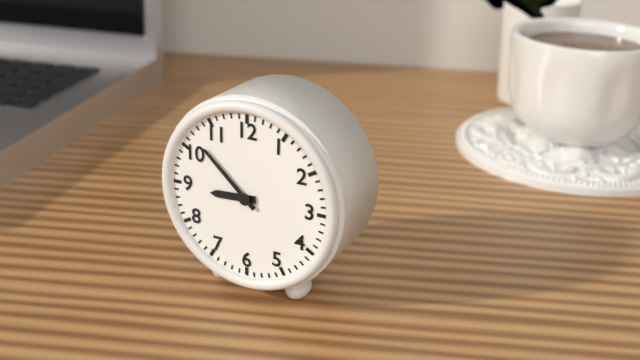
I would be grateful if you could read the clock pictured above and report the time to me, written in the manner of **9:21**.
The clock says **8:52**
